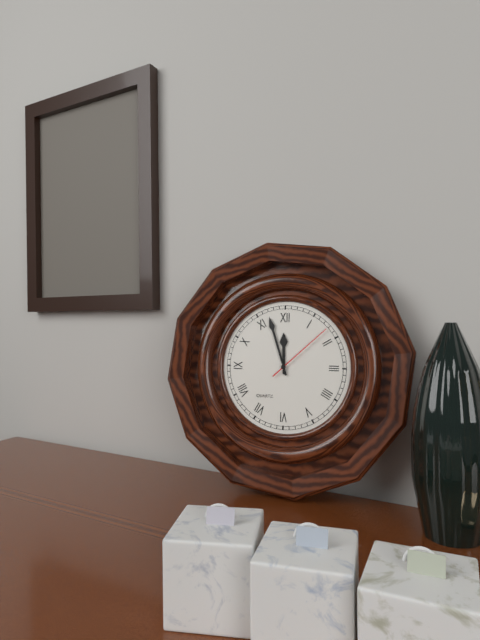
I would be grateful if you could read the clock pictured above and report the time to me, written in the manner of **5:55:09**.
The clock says **11:57:08**
